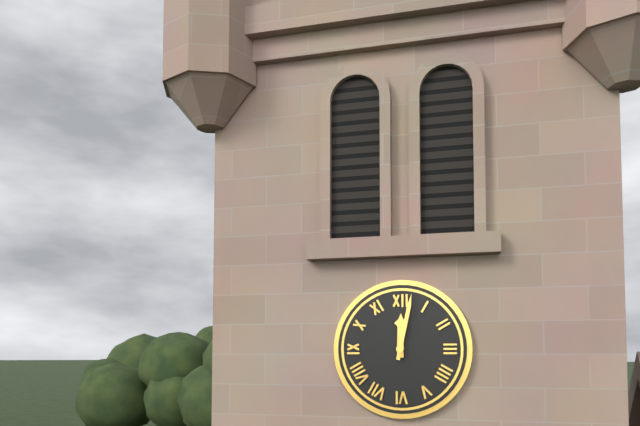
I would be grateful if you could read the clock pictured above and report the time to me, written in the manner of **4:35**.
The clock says **12:02**
